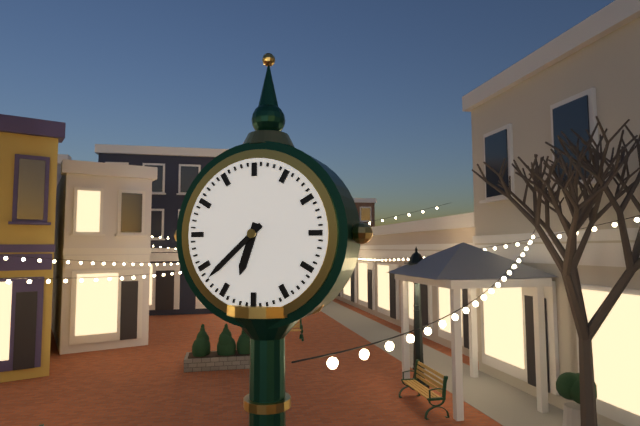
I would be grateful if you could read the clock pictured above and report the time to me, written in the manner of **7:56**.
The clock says **6:38**
